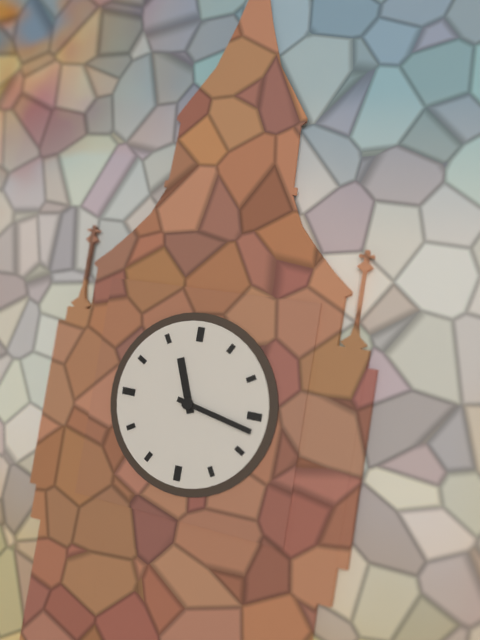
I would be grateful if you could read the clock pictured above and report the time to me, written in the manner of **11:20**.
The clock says **11:17**
